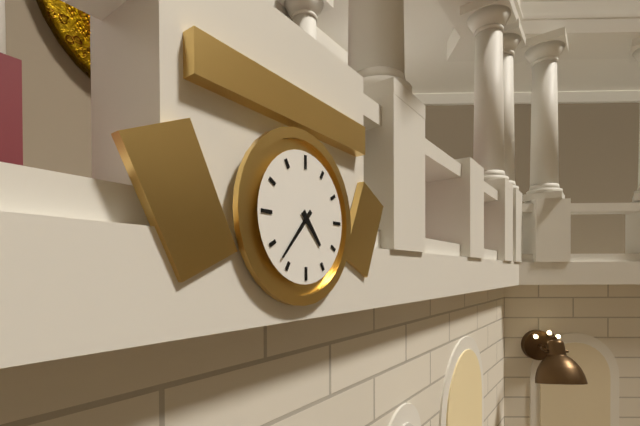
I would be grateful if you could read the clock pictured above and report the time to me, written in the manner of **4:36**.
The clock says **4:37**
